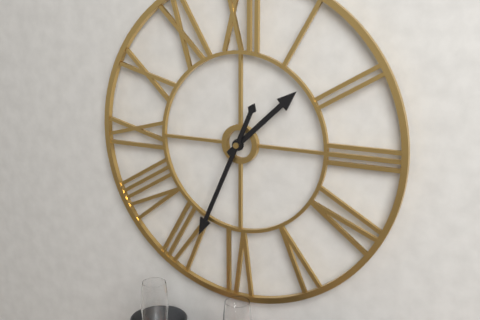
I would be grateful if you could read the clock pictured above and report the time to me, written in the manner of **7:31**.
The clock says **1:34**
